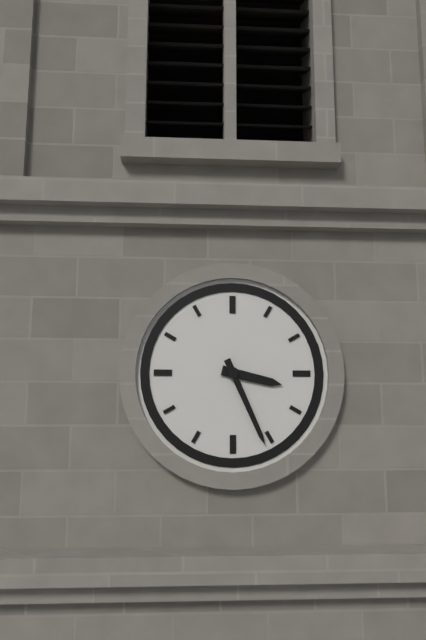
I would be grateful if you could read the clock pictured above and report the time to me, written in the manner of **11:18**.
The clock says **3:26**
